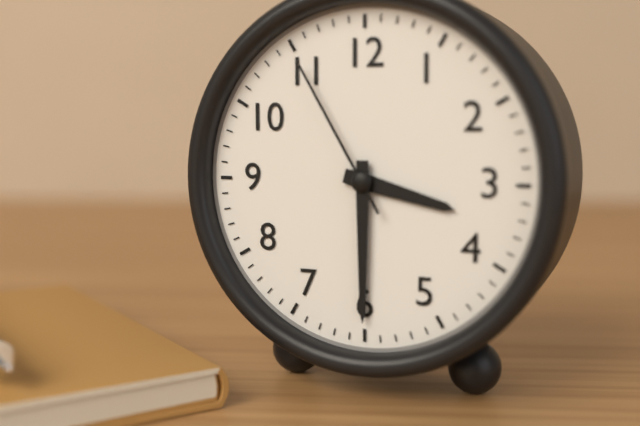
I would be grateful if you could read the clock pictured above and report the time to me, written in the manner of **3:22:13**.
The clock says **3:30:55**
